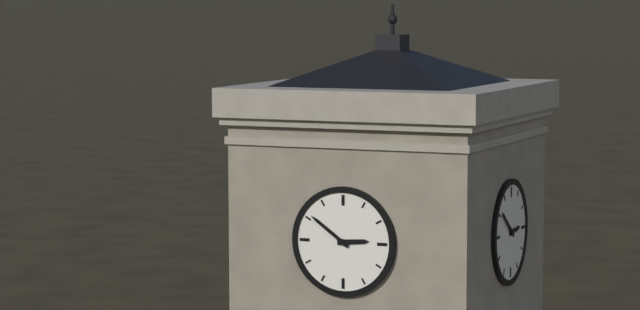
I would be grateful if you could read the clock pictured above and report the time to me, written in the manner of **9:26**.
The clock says **2:51**
